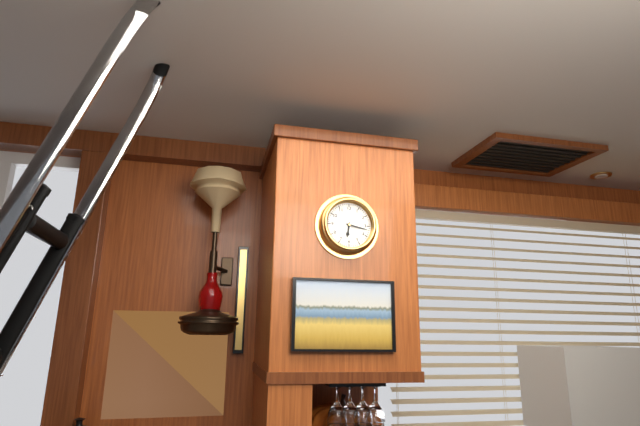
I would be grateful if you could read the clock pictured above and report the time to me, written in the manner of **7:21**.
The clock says **6:17**
